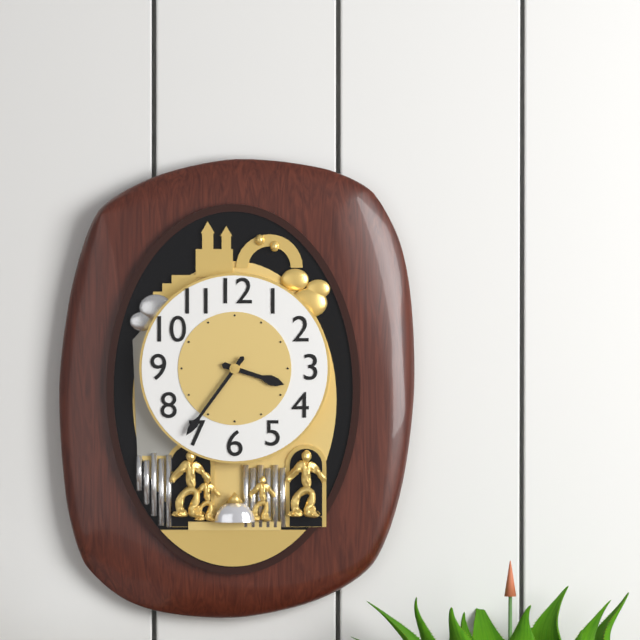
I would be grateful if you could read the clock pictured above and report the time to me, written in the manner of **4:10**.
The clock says **3:36**
